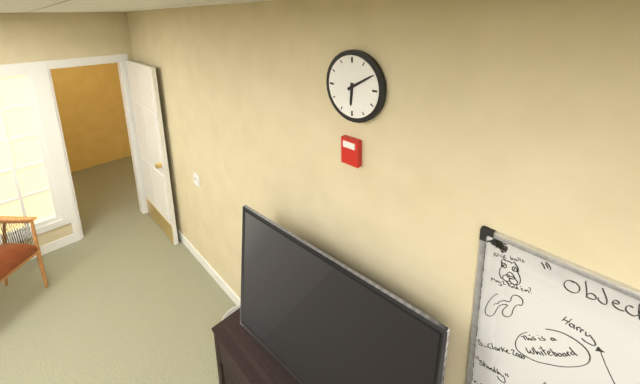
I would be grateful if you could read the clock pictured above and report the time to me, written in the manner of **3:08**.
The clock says **6:10**
